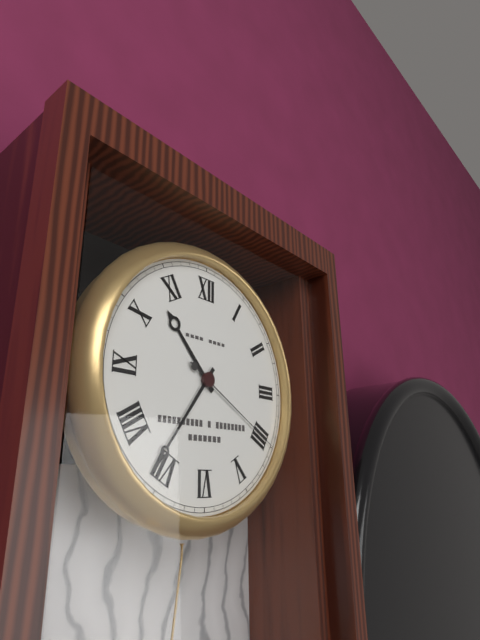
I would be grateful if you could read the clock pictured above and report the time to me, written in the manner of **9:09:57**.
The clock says **10:36:20**
